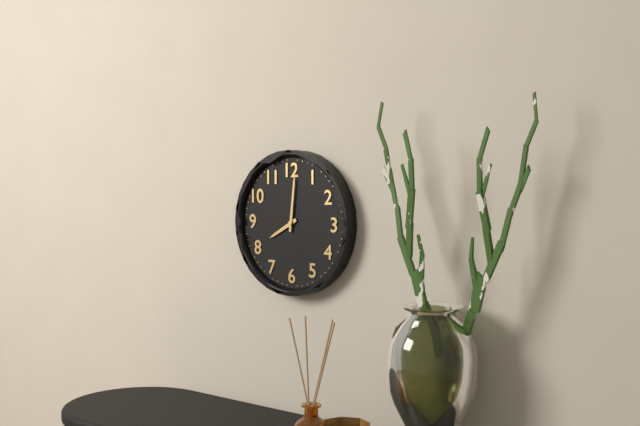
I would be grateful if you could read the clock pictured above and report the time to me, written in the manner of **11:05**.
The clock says **8:01**
